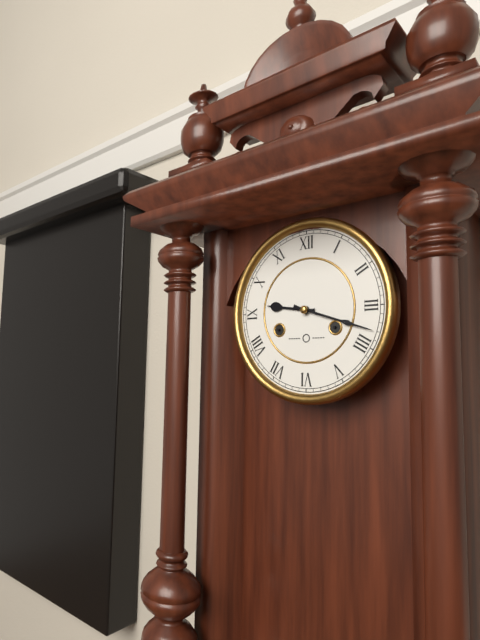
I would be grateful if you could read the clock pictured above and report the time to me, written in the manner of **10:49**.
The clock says **9:18**
